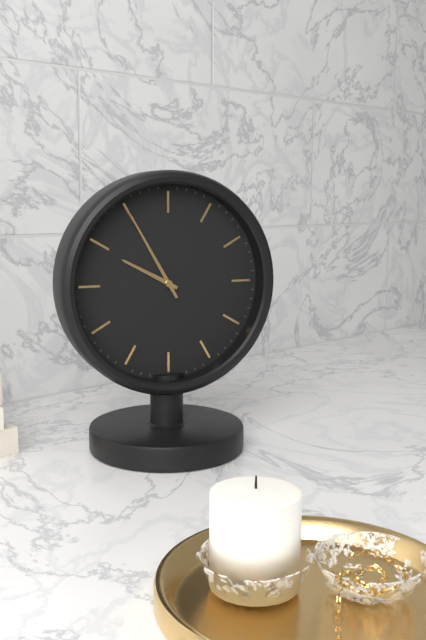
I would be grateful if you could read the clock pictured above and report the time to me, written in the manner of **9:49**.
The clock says **9:55**
